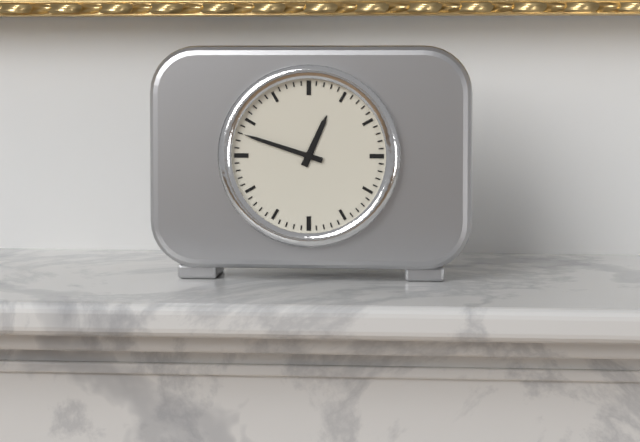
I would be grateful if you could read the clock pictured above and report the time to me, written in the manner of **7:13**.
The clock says **12:48**
